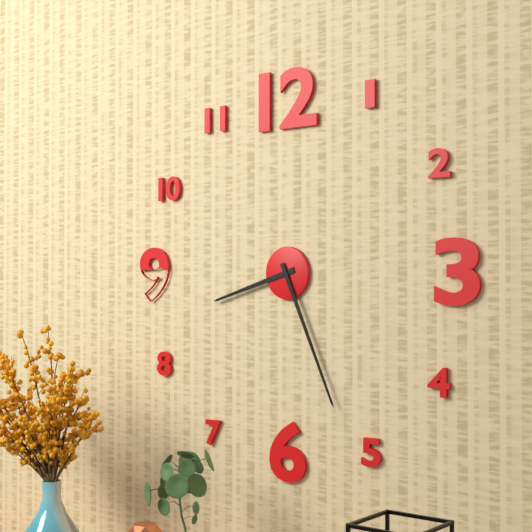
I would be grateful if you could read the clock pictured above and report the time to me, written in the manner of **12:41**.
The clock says **8:26**
